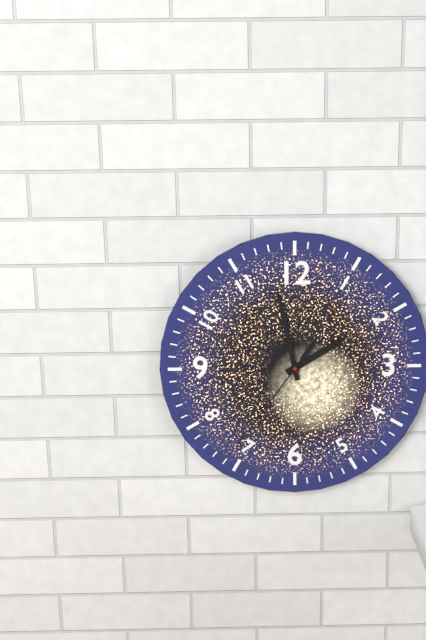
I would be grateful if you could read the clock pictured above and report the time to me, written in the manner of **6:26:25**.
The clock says **1:58:36**
